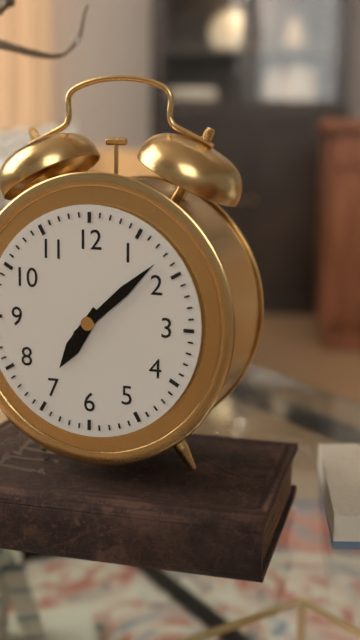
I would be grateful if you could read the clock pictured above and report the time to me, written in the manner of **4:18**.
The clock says **7:08**
